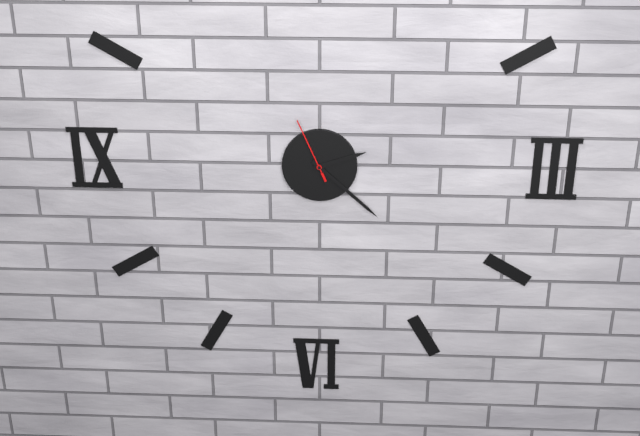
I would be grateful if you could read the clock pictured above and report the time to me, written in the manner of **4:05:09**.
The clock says **2:22:56**
